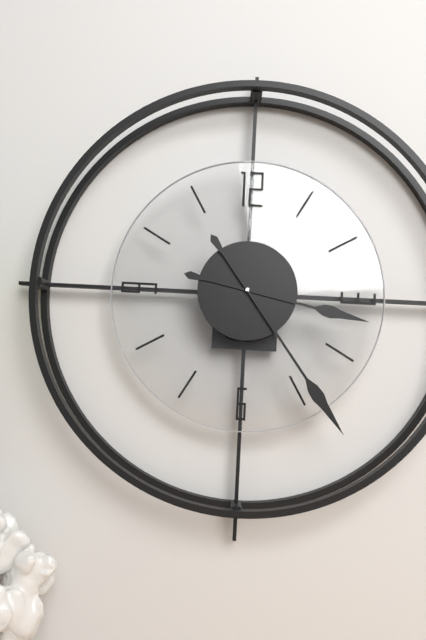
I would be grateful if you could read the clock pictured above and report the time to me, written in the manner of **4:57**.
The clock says **3:24**
